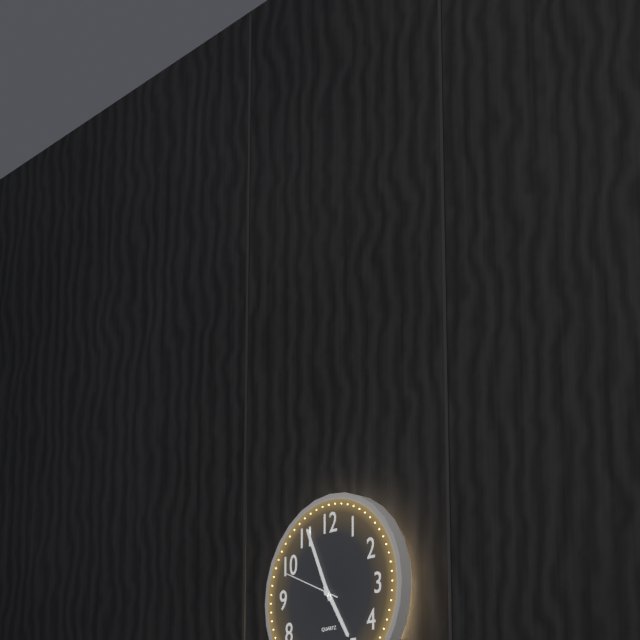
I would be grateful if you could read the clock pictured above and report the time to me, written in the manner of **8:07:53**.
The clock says **4:56:49**
